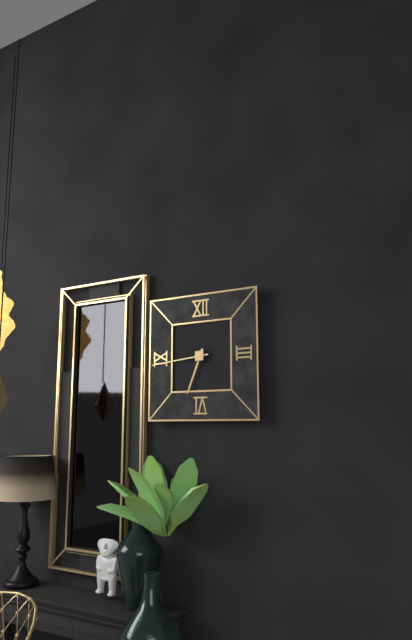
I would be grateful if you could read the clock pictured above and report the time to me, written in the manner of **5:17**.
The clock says **6:44**
